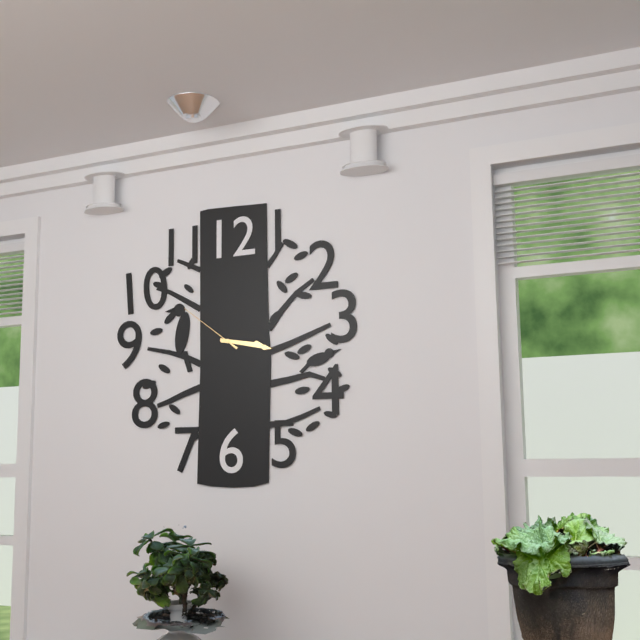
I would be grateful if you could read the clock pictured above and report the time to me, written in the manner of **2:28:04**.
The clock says **3:17:51**
